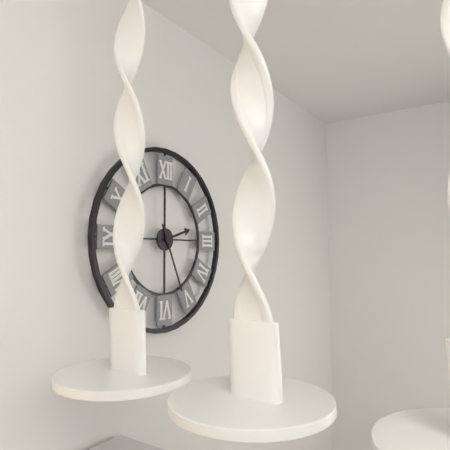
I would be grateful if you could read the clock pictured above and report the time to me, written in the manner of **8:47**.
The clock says **2:26**
